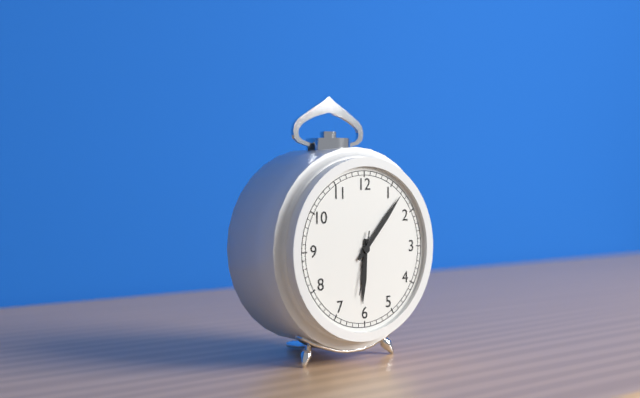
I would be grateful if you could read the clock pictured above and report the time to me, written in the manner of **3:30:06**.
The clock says **6:07:32**
